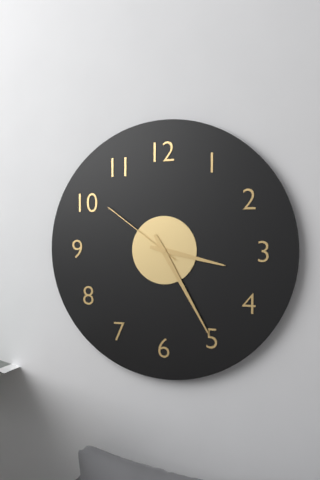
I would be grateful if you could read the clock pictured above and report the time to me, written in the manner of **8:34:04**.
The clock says **3:25:51**
